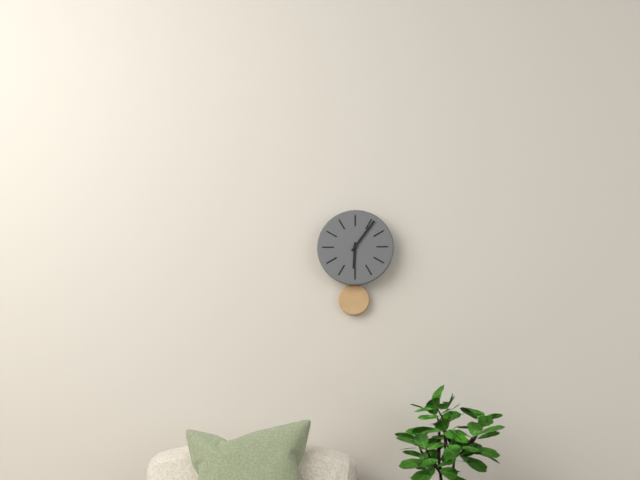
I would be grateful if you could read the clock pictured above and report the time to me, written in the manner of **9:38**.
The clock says **6:06**
